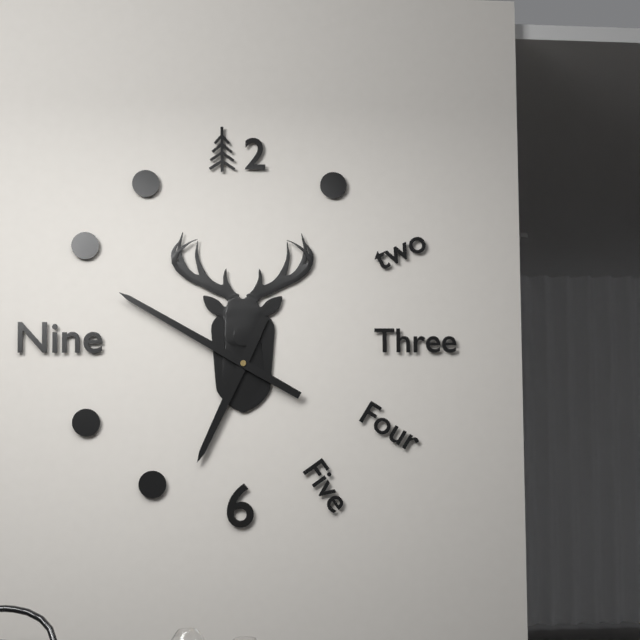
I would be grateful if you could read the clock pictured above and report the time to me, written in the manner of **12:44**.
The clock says **6:50**
